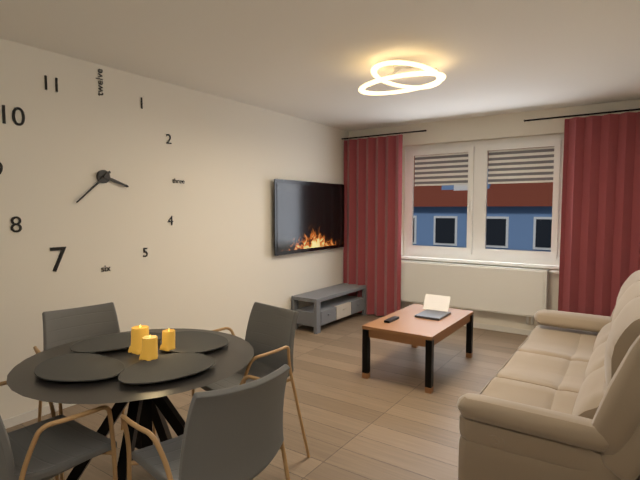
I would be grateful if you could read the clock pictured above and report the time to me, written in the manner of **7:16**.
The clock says **3:38**
